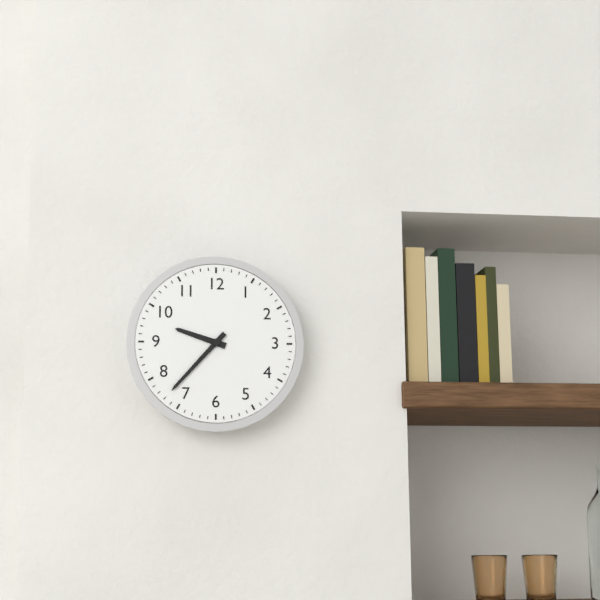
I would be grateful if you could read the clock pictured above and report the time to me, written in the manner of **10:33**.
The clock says **9:37**
